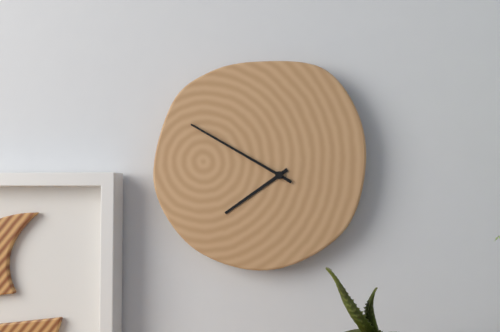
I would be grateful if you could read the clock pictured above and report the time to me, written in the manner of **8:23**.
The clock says **7:50**
